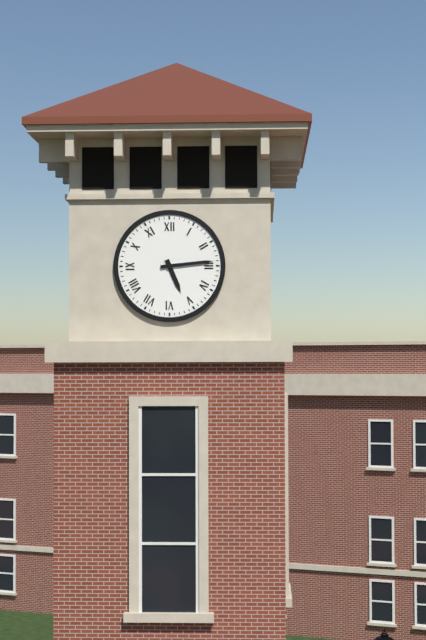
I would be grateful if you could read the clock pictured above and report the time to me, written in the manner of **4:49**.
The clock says **5:14**
